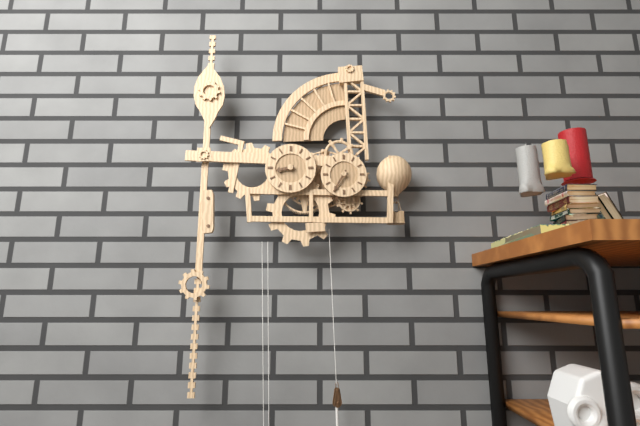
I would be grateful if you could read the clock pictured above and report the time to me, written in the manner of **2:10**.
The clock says **8:35**
